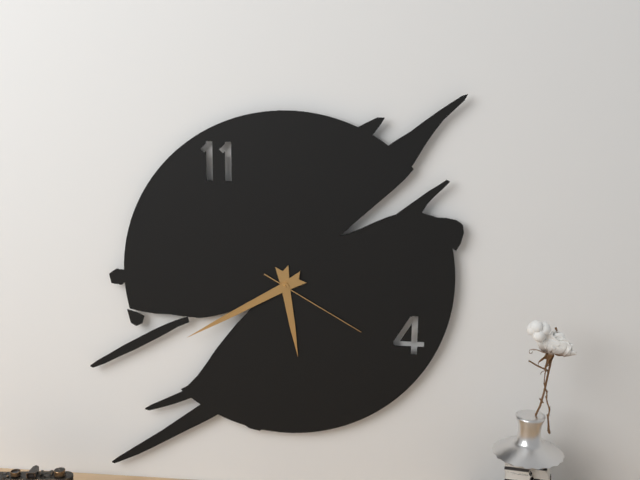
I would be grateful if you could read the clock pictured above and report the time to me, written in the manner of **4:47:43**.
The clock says **5:40:20**
